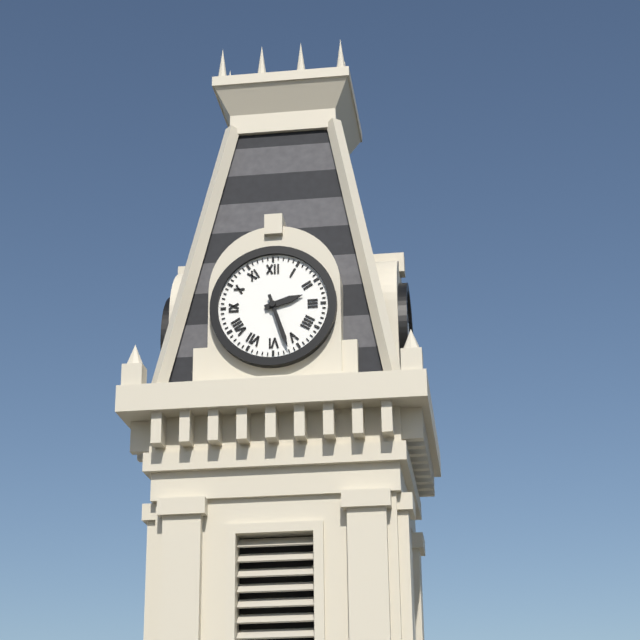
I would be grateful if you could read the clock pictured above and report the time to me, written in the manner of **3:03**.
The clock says **2:27**
